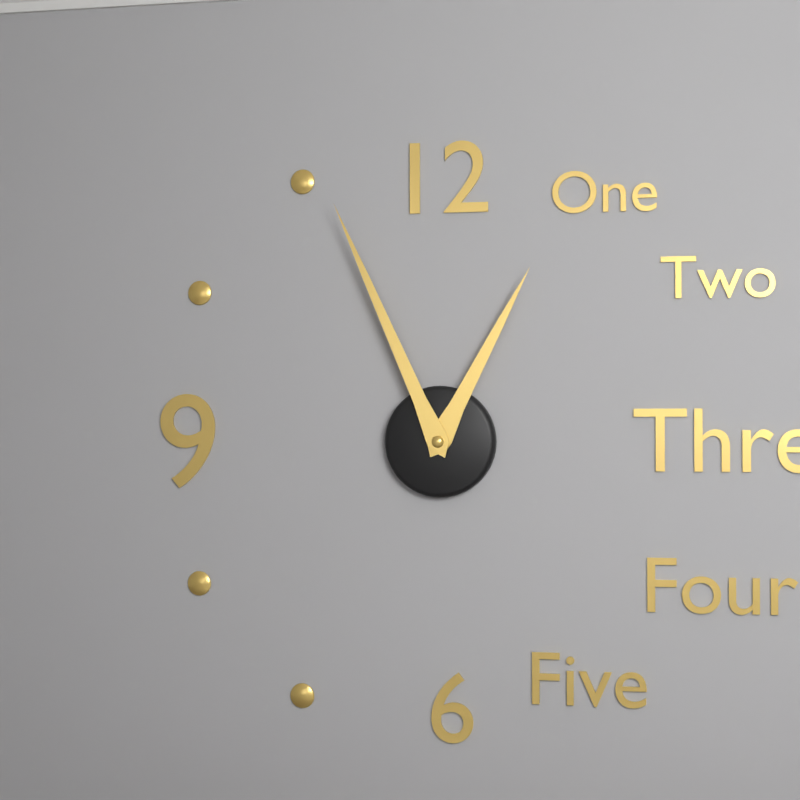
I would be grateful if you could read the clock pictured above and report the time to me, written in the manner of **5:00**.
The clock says **12:56**
